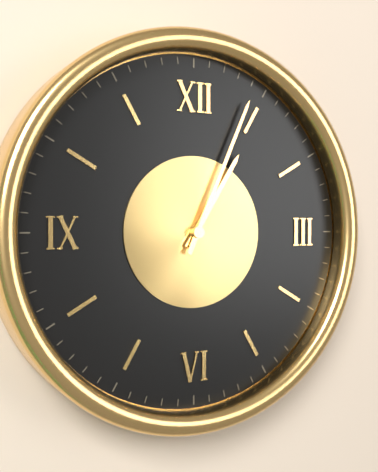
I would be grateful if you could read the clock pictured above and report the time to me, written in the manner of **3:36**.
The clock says **1:04**
